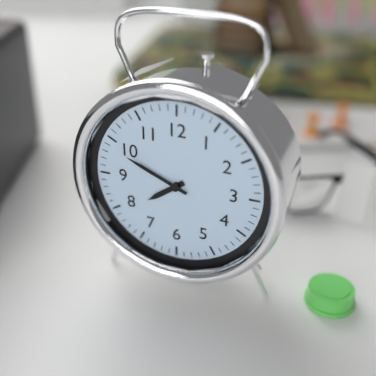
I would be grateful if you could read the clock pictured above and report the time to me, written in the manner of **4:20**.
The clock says **7:49**
